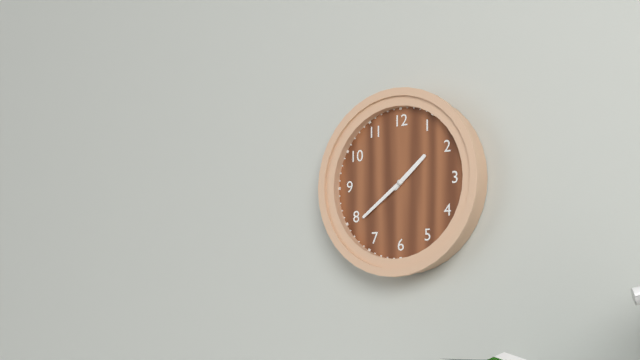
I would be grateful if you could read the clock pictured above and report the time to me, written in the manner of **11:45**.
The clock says **1:39**
